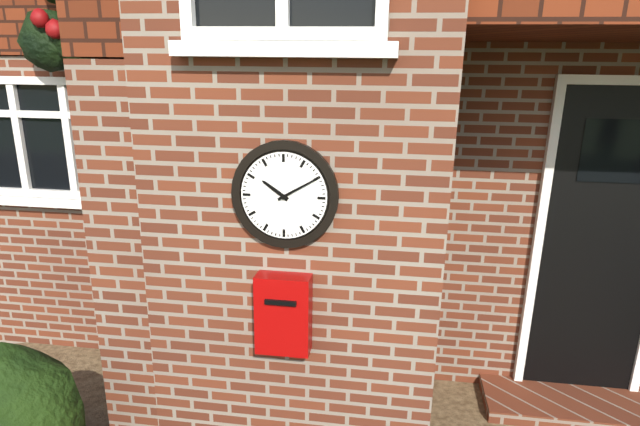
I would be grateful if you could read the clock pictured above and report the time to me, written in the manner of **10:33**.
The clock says **10:10**
